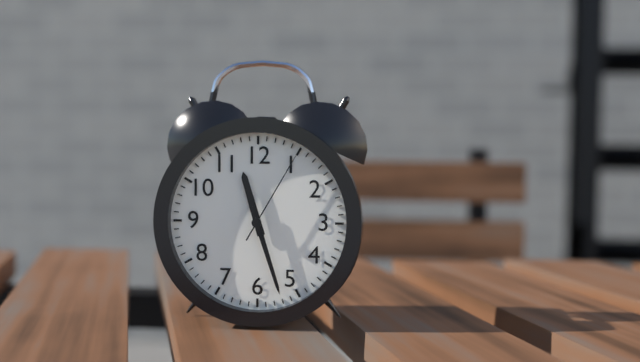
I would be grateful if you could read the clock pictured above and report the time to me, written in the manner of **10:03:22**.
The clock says **11:27:05**
